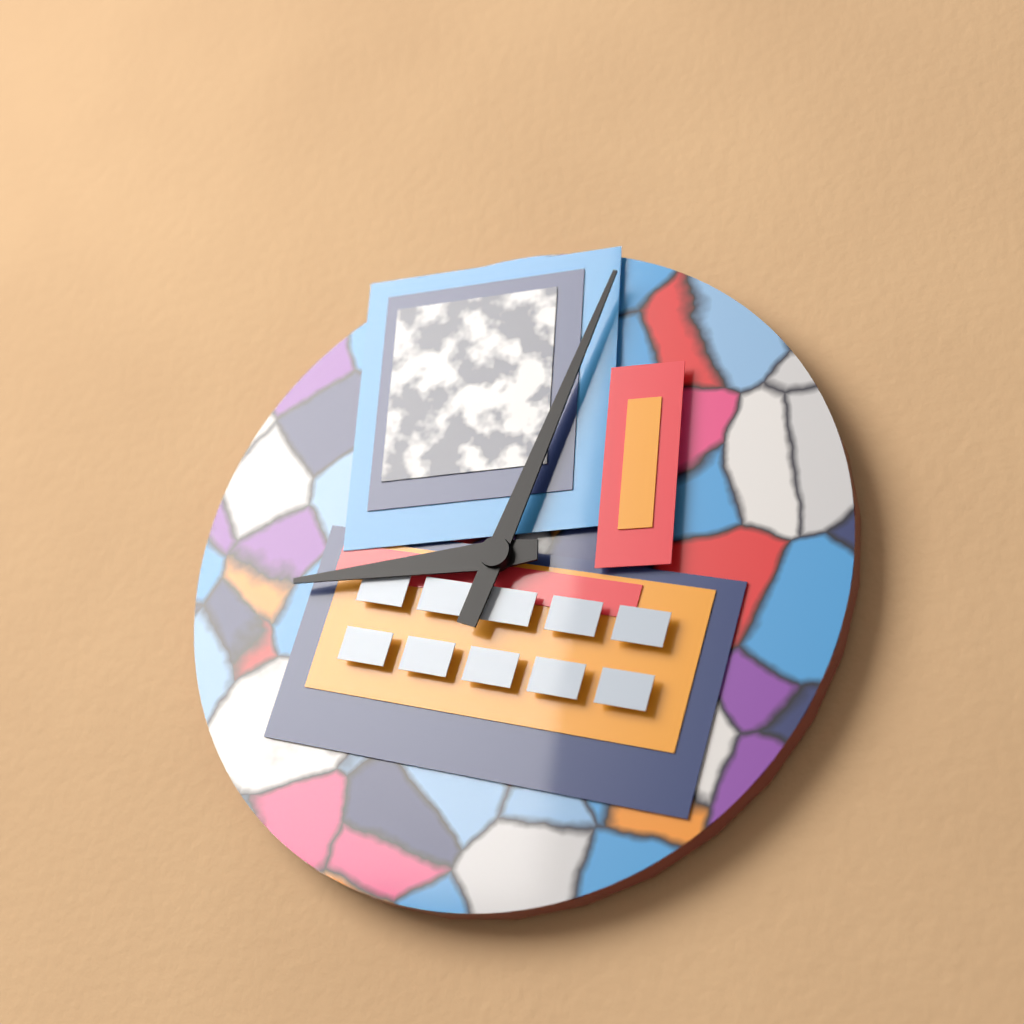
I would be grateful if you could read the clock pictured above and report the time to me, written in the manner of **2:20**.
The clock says **9:04**
